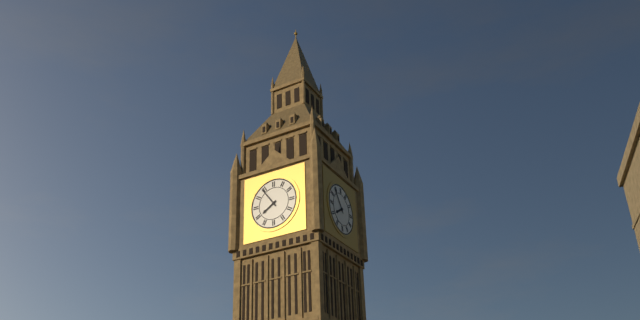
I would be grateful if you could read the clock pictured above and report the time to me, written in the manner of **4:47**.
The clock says **7:54**
